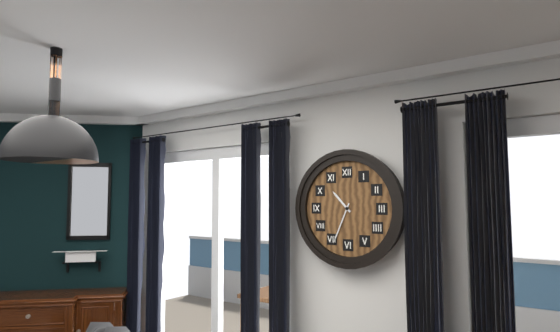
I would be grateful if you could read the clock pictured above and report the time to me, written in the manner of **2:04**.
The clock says **10:34**
